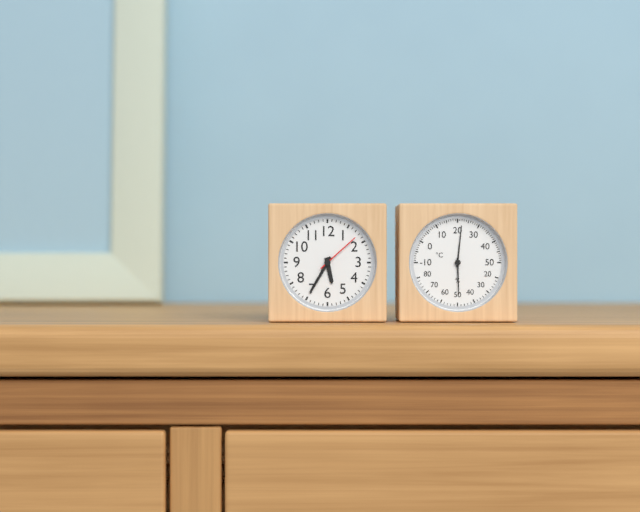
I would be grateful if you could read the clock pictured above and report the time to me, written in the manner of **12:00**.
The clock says **5:35**
